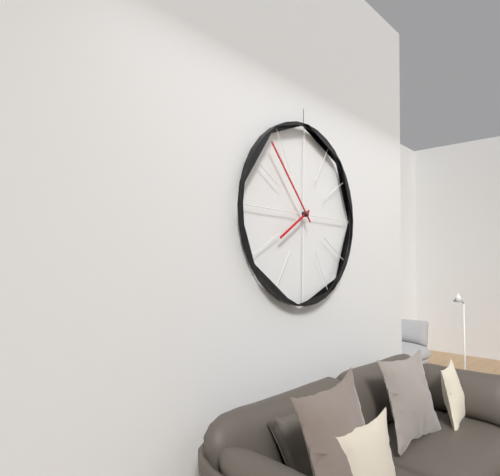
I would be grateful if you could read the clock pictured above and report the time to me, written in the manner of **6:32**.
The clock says **7:53**
